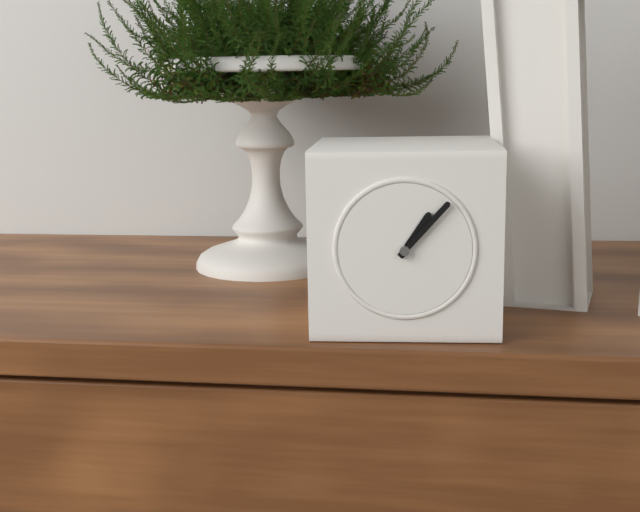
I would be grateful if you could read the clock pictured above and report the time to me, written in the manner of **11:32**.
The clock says **1:07**
